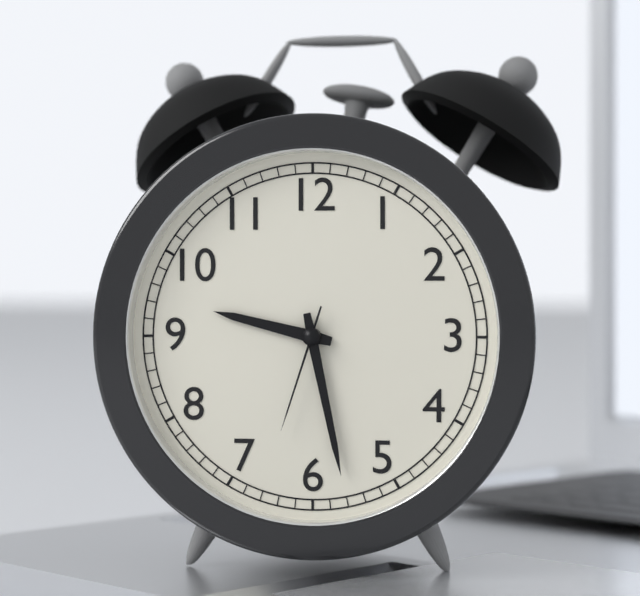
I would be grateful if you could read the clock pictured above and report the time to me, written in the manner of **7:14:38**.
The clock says **9:28:33**
